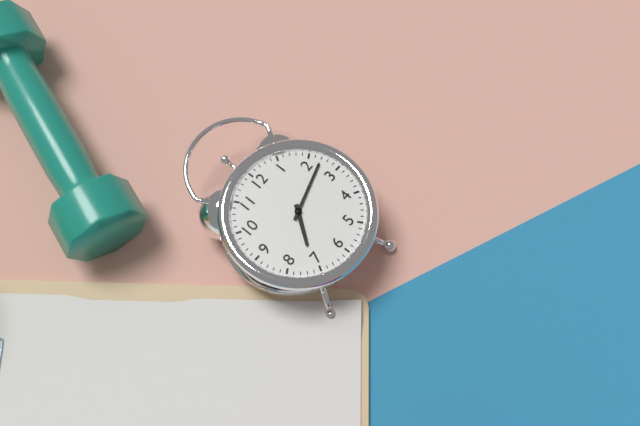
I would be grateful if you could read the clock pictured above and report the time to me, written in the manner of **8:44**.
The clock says **7:12**
